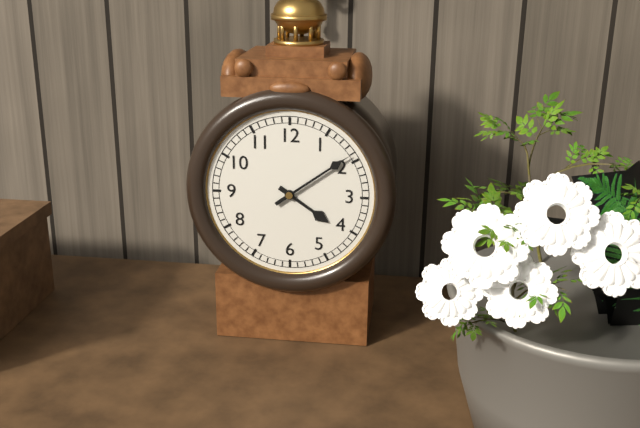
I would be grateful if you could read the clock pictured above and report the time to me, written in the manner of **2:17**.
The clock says **4:09**
